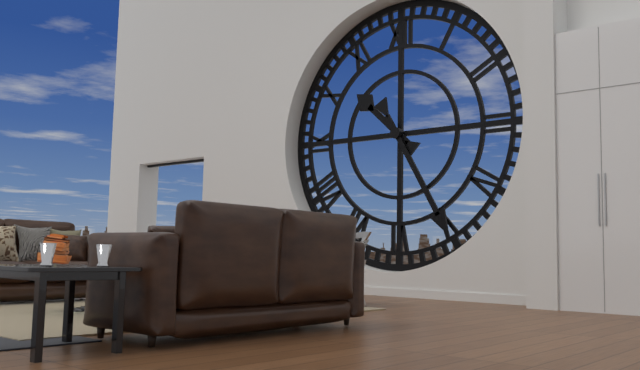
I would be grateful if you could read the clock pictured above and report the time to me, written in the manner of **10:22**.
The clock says **10:25**
